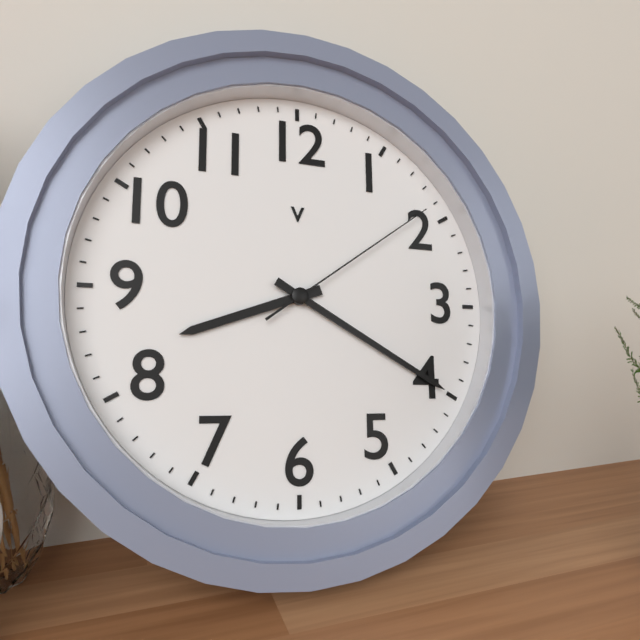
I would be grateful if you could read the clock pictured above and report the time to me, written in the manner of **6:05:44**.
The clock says **8:20:09**
